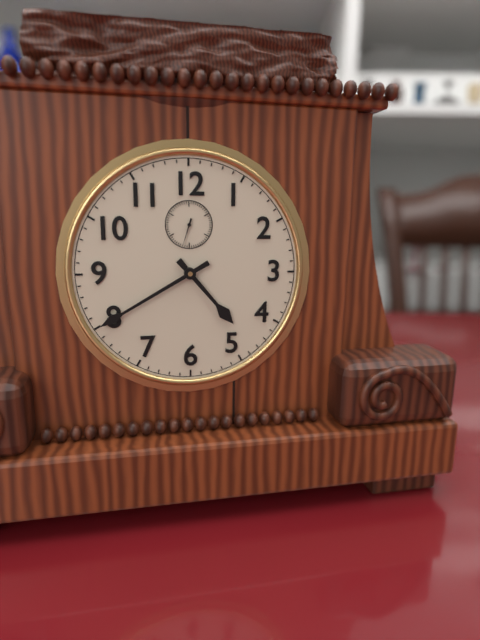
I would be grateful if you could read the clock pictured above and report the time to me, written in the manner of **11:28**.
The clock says **4:40**
